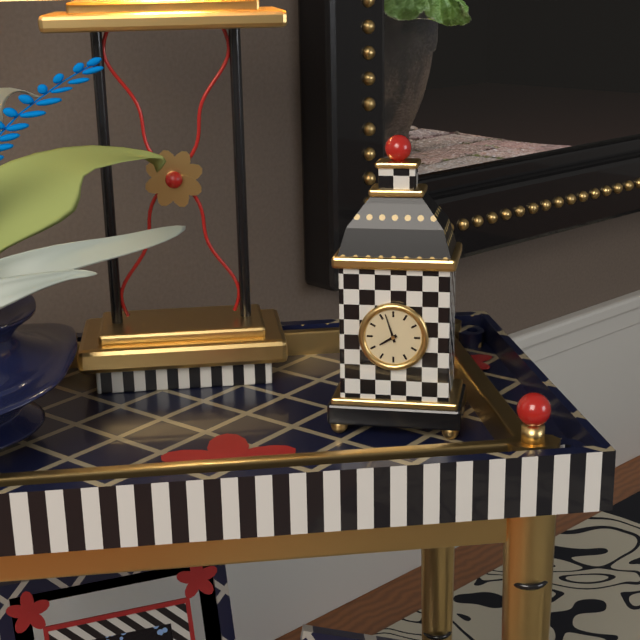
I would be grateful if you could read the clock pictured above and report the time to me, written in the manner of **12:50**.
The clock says **7:57**
